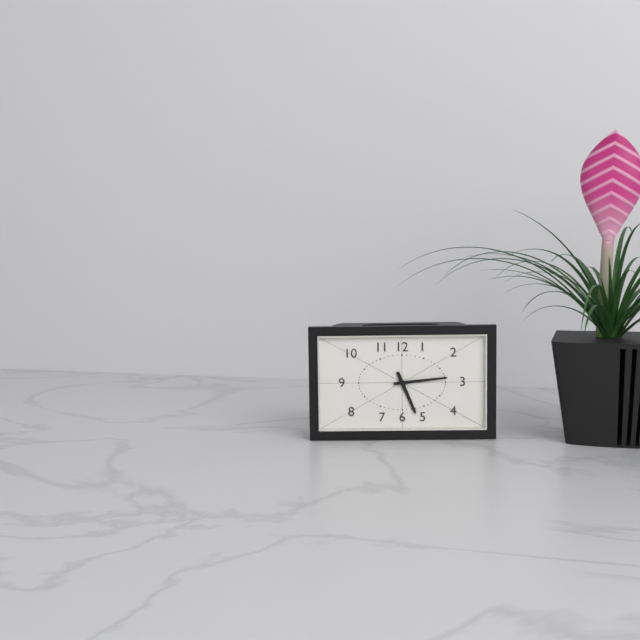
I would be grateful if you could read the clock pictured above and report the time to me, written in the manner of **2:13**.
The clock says **5:14**
